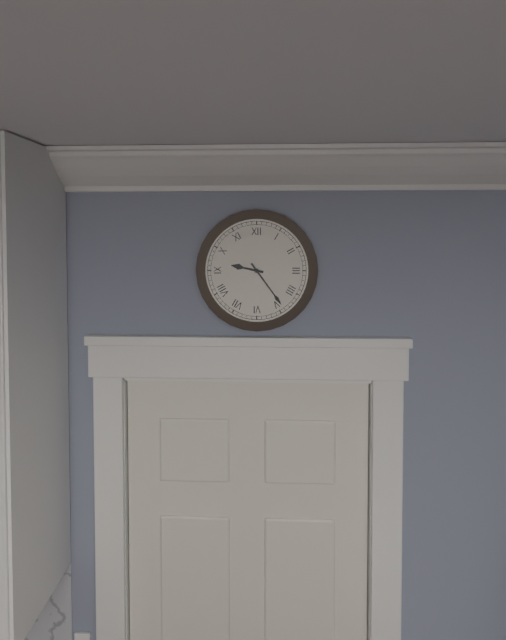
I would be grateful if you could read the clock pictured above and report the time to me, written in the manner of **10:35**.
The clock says **9:24**
